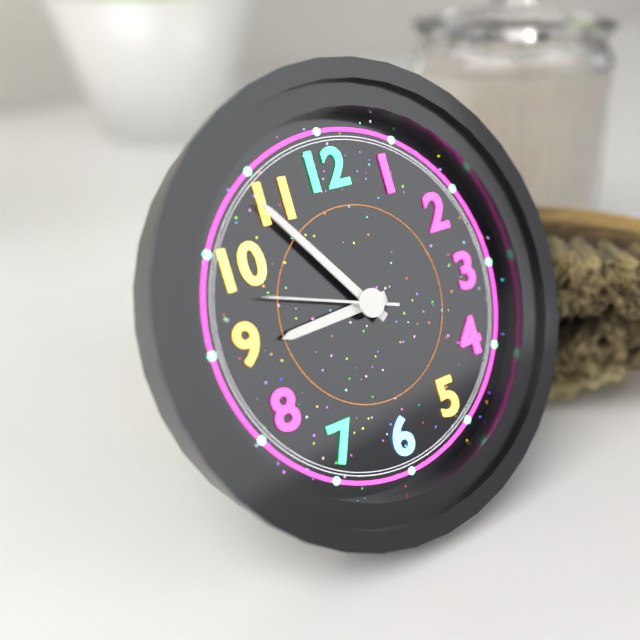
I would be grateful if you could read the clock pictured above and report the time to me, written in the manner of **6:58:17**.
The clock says **8:54:48**
